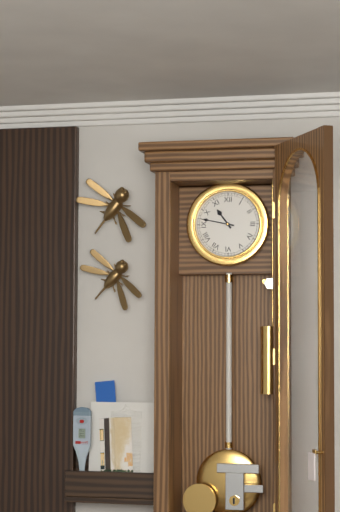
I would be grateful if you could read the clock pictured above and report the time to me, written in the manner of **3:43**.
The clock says **10:47**
